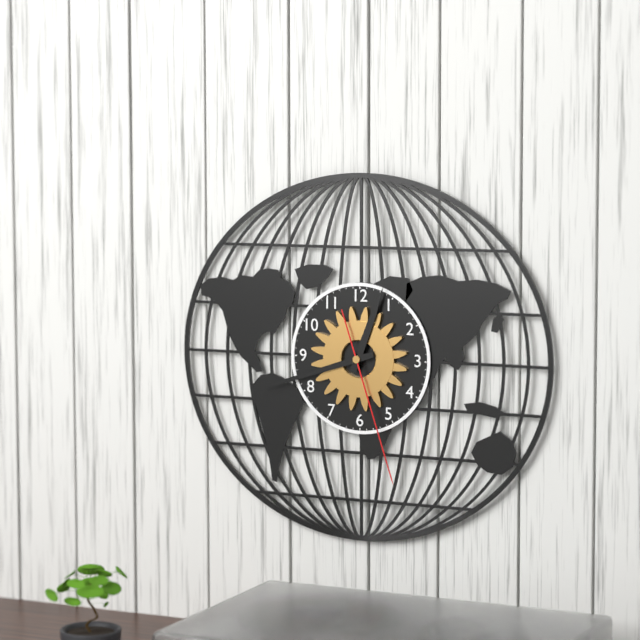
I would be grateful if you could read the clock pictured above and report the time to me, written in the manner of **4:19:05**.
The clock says **12:42:27**
